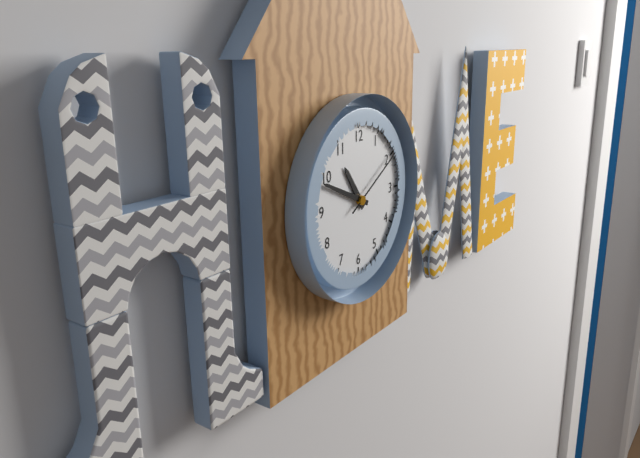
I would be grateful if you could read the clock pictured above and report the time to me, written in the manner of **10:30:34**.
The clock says **10:49:10**
